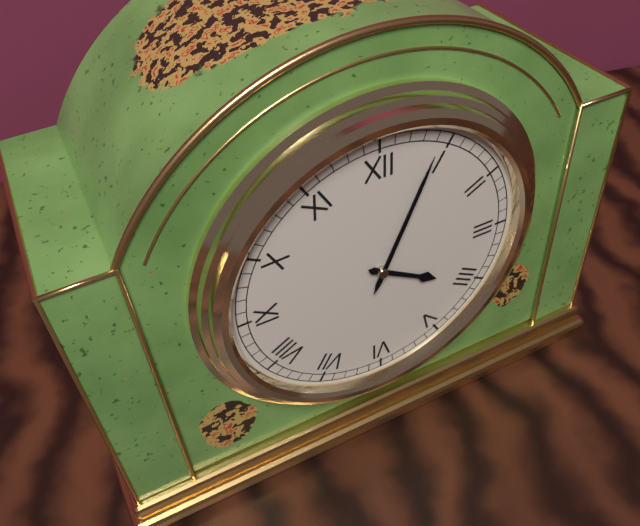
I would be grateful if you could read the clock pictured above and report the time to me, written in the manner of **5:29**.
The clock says **4:04**
